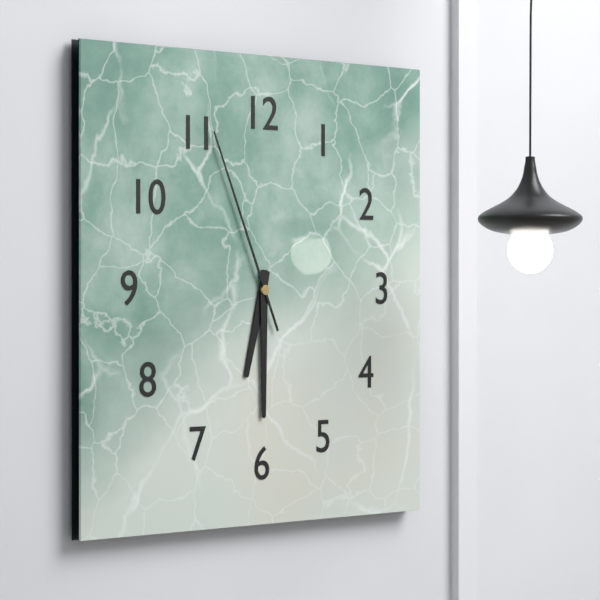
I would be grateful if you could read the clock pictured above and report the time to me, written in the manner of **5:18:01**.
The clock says **6:30:56**
